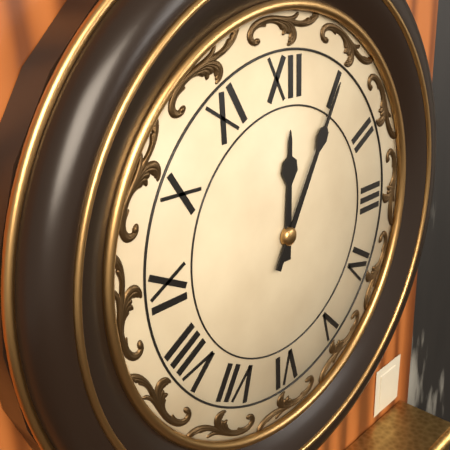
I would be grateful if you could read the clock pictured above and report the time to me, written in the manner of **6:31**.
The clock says **12:05**
